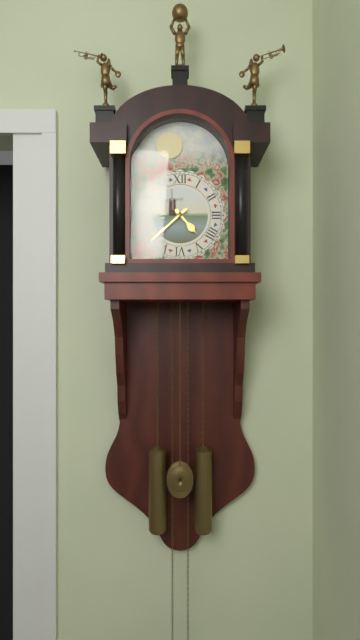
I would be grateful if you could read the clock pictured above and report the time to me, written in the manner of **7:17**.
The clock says **4:38**
